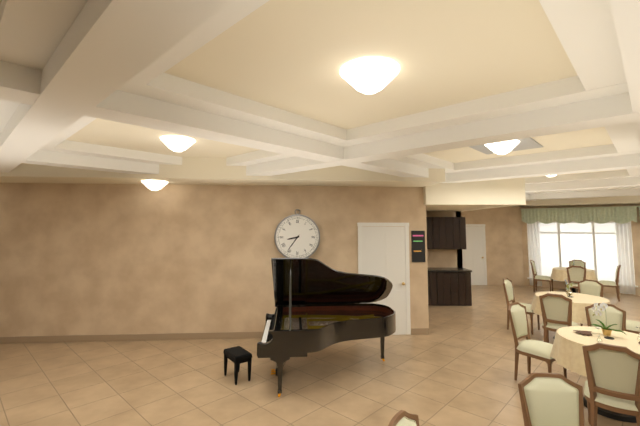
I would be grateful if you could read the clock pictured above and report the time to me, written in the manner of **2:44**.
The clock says **8:36**
